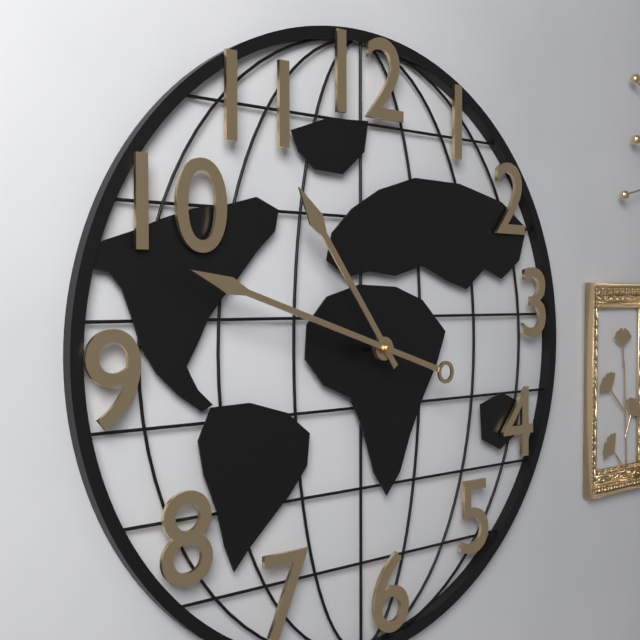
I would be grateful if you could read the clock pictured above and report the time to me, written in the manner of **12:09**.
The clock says **10:48**
